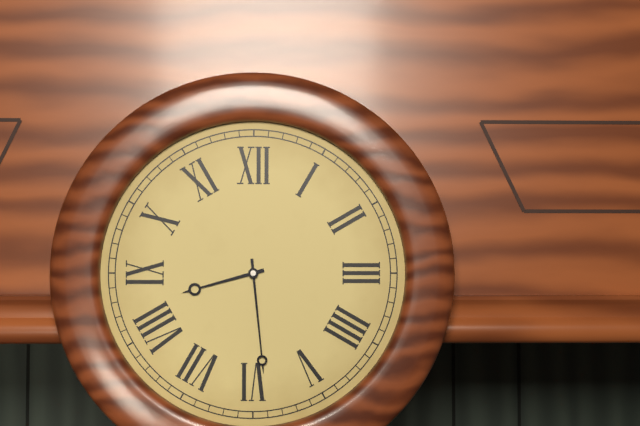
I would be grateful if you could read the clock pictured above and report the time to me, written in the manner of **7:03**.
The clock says **8:29**
